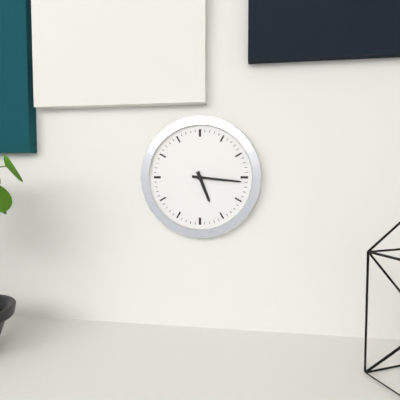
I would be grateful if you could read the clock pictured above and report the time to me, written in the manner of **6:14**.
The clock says **5:16**
